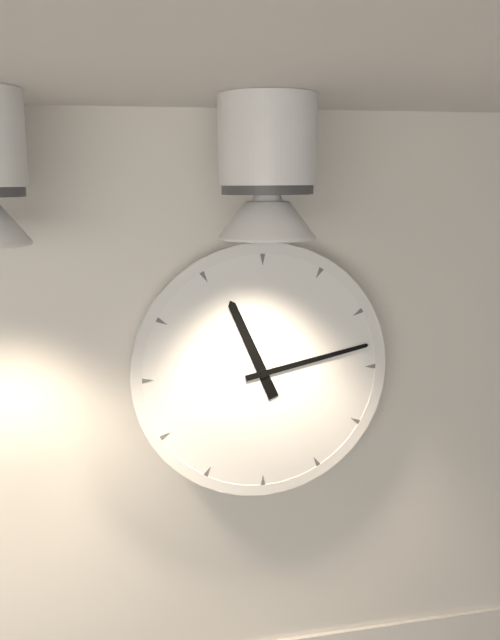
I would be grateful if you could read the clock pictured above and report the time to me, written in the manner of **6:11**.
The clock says **11:13**
